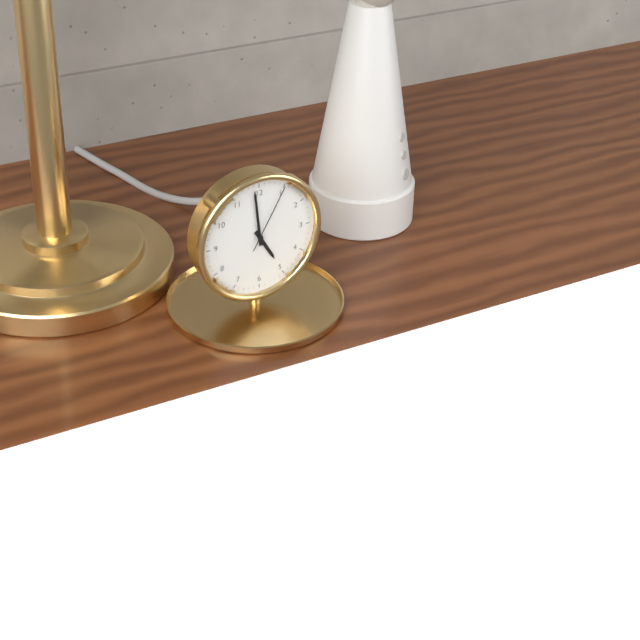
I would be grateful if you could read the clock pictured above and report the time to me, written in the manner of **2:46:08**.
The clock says **4:59:05**
